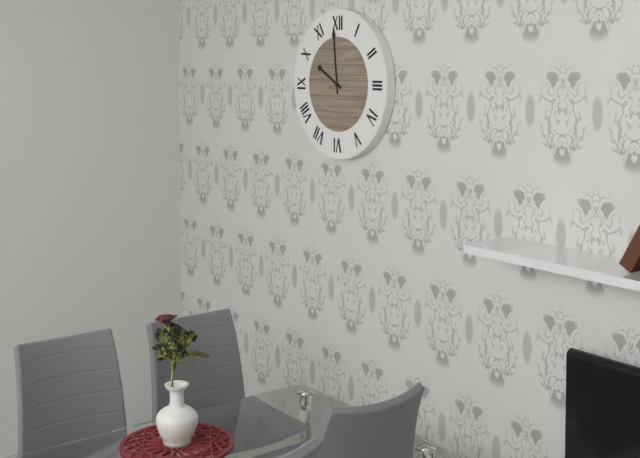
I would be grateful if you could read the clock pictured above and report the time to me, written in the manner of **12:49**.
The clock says **9:59**
